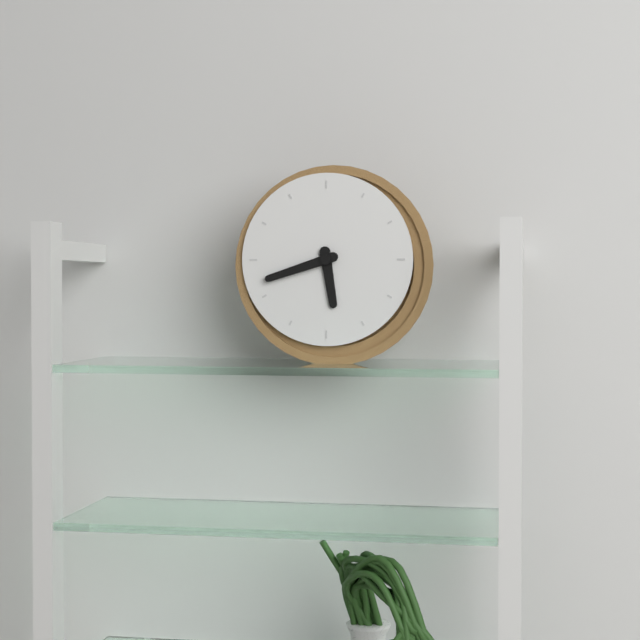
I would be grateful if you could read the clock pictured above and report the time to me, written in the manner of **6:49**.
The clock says **5:42**
